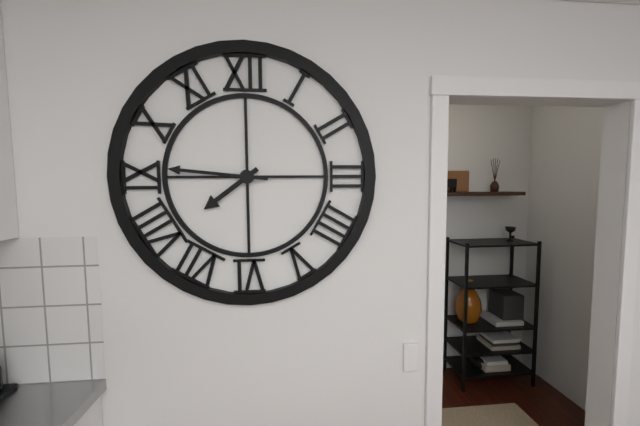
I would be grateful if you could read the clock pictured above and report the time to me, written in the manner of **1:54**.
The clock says **7:46**
